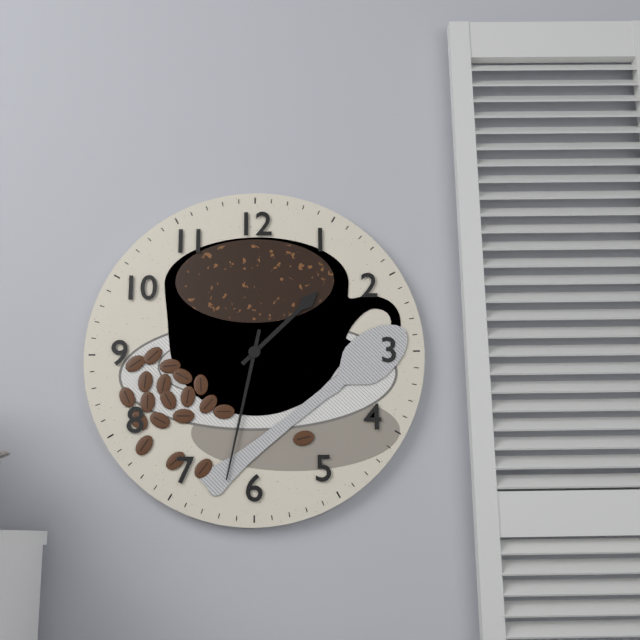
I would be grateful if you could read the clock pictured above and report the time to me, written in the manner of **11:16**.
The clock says **1:32**
